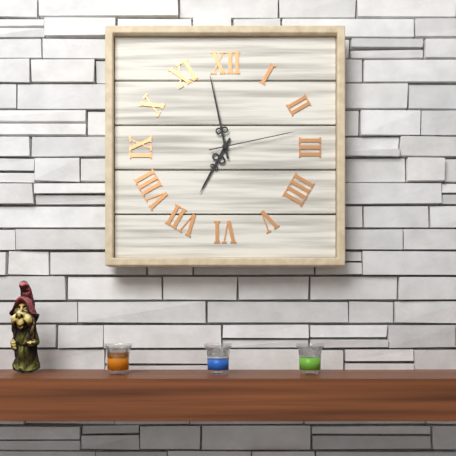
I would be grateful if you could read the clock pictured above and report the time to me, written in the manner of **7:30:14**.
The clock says **6:58:13**
